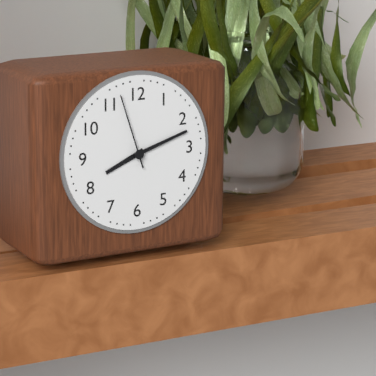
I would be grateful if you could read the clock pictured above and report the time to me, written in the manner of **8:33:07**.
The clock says **8:12:57**
